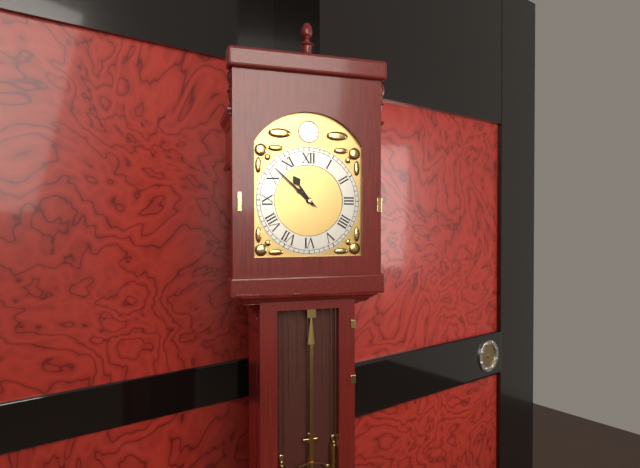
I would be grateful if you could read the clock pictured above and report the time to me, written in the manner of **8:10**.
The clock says **10:52**
